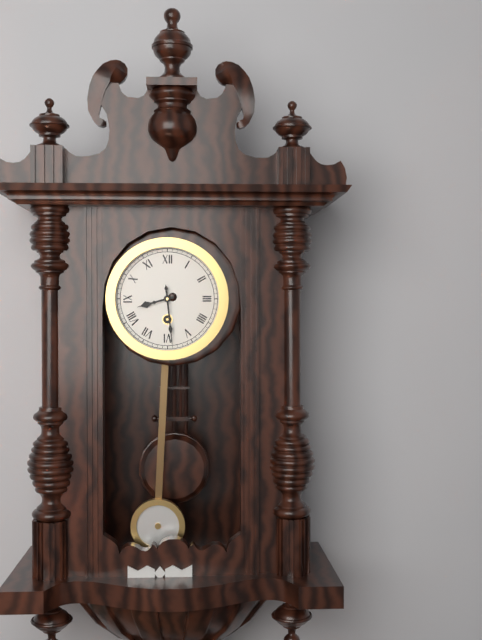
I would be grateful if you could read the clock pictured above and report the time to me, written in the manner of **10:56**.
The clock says **8:29**
